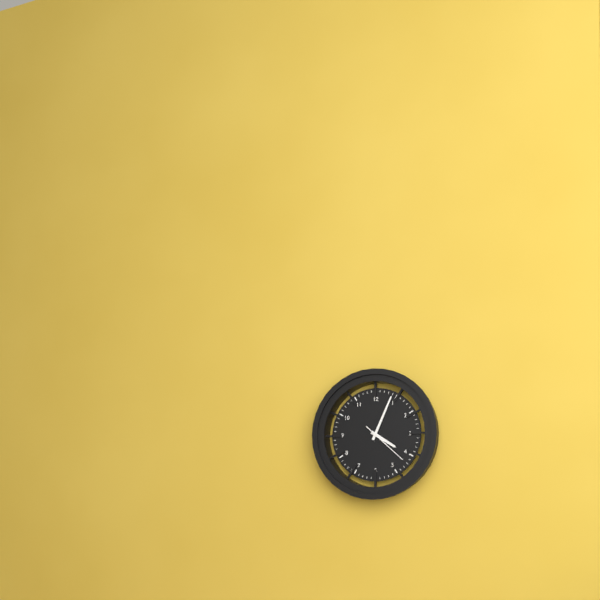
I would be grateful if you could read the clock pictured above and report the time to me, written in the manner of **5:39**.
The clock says **4:04**
